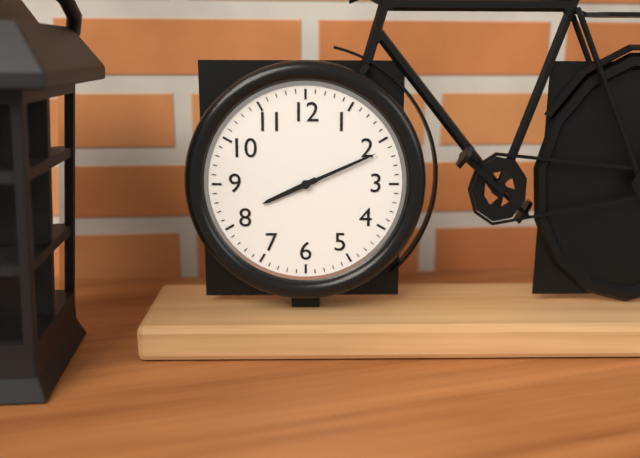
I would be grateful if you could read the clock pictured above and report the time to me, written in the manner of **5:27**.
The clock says **8:11**
